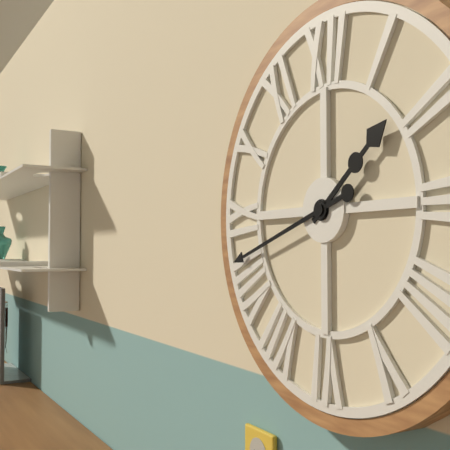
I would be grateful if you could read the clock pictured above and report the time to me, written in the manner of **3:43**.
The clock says **1:42**
